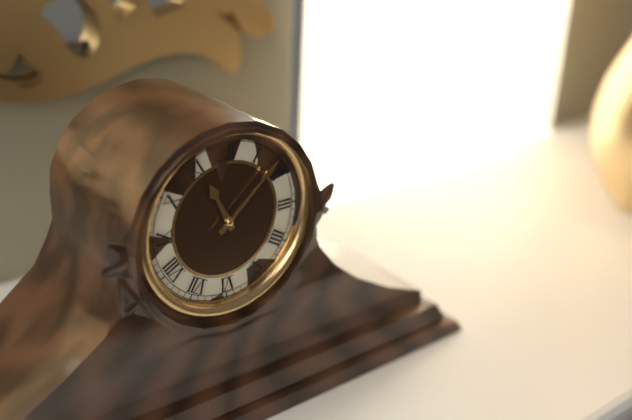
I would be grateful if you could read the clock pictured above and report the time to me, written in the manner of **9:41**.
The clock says **11:08**
